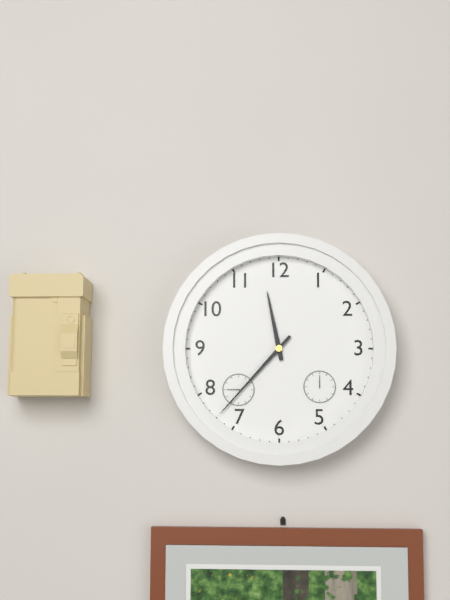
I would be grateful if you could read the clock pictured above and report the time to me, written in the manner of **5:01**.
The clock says **11:37**
